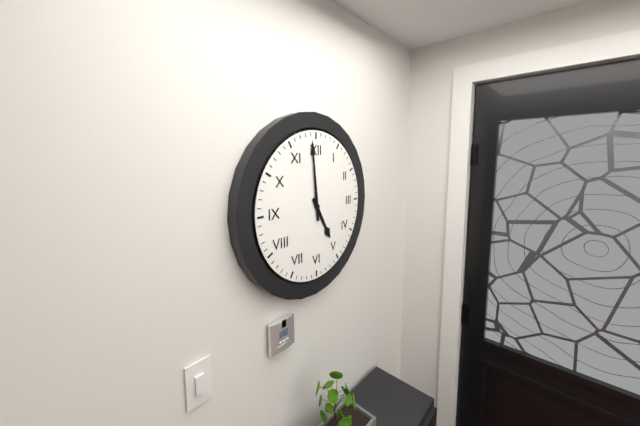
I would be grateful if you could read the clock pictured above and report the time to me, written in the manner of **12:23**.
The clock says **4:59**
